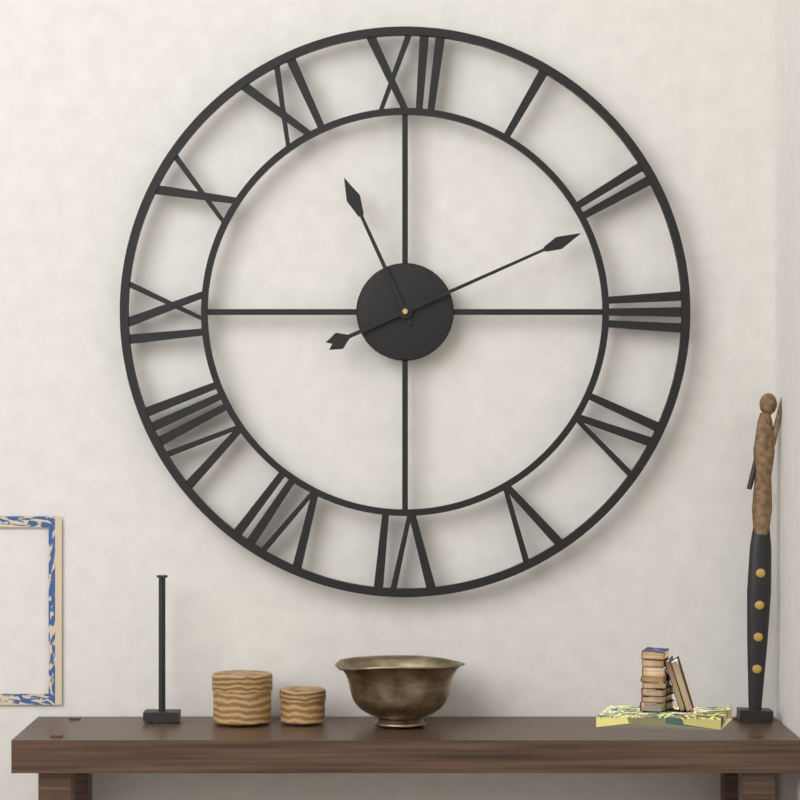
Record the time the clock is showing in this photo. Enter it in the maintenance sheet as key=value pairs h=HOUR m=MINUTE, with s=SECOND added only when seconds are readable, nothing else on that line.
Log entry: h=11 m=11
